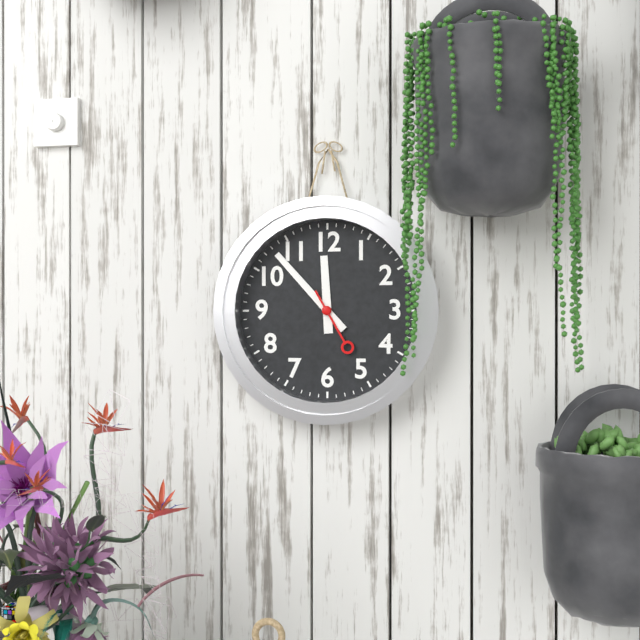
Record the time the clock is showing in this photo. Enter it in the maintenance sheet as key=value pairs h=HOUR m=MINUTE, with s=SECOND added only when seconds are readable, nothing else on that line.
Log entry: h=11 m=53 s=25
